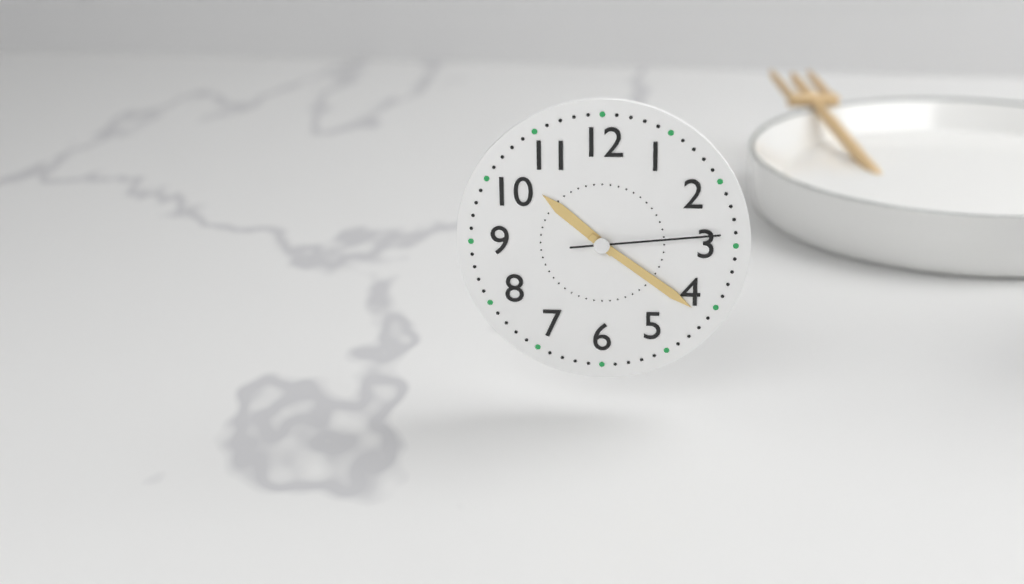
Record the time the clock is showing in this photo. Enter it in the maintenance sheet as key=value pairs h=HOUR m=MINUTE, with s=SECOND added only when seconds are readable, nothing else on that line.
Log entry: h=10 m=21 s=14
